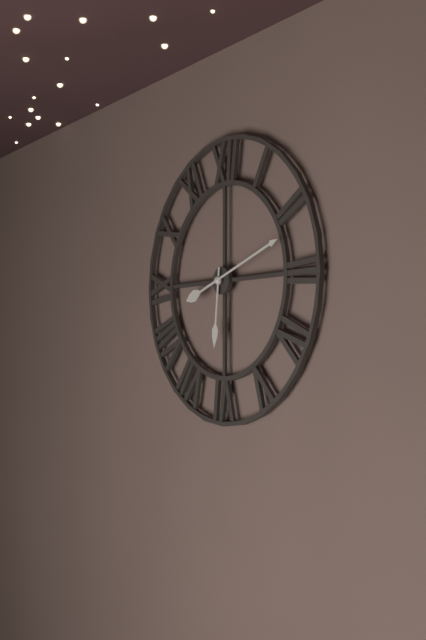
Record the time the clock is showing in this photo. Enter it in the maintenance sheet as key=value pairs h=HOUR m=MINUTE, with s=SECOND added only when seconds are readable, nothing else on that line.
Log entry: h=6 m=12
